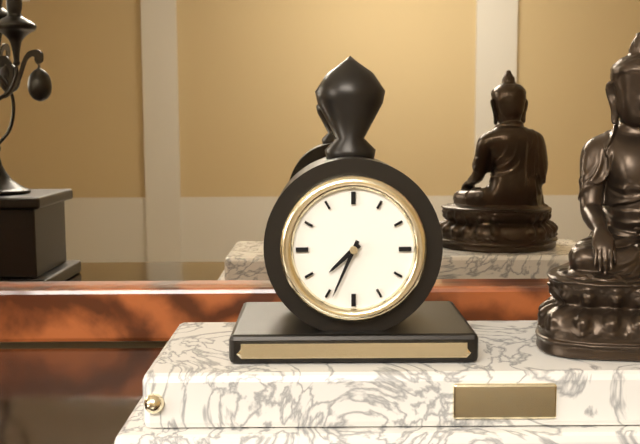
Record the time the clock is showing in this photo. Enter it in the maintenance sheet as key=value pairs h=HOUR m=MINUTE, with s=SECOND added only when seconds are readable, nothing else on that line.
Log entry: h=7 m=34
